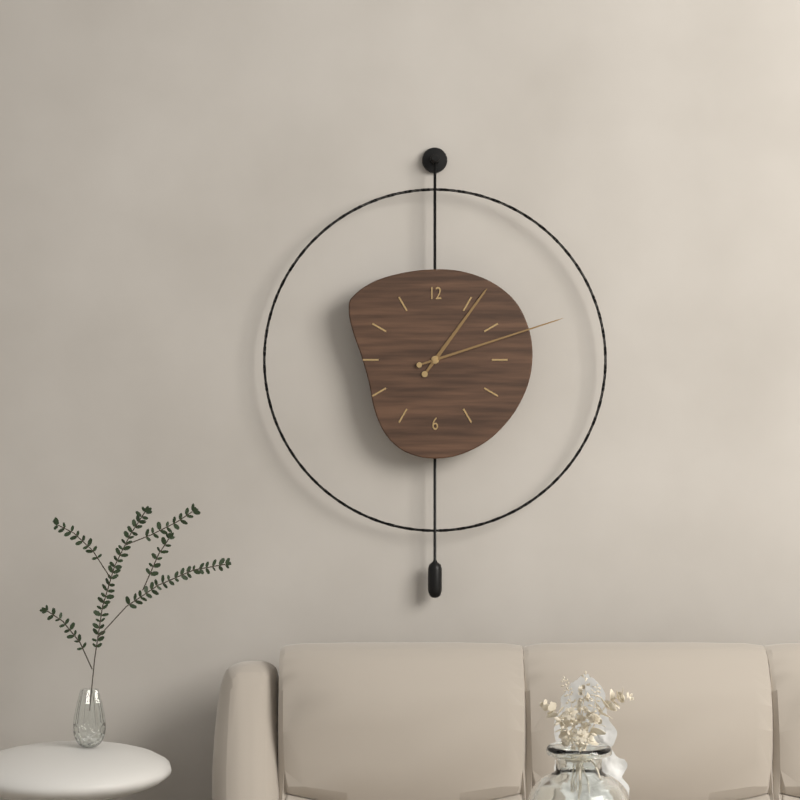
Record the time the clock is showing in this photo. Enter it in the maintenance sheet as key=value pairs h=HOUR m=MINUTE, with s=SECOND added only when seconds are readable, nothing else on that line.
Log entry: h=1 m=12
